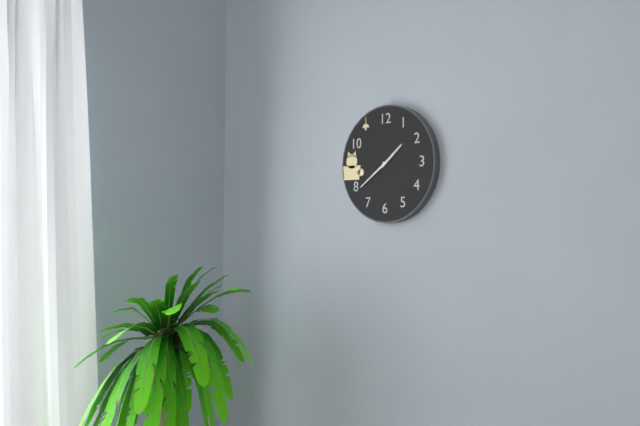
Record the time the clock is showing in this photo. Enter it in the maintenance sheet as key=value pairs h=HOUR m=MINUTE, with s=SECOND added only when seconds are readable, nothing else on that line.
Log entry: h=1 m=39
